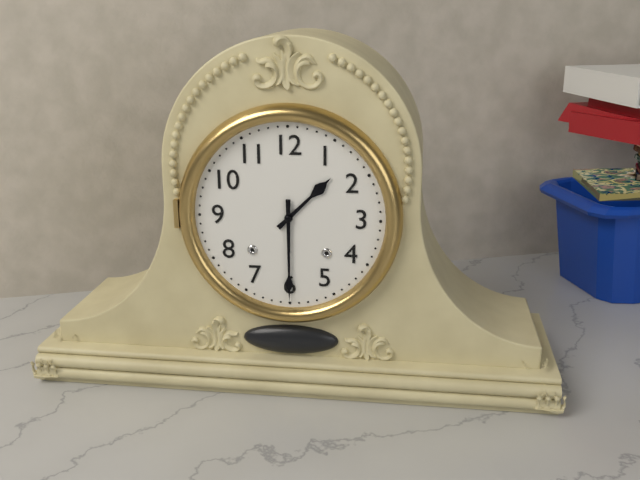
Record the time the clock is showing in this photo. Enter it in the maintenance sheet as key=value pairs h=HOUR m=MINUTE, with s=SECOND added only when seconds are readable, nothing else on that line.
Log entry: h=1 m=30
